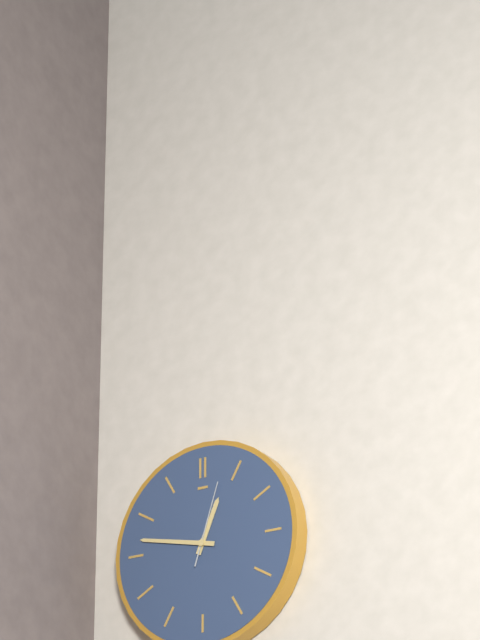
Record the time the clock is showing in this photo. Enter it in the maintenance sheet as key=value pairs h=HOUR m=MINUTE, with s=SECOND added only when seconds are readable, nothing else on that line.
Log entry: h=12 m=47 s=3
